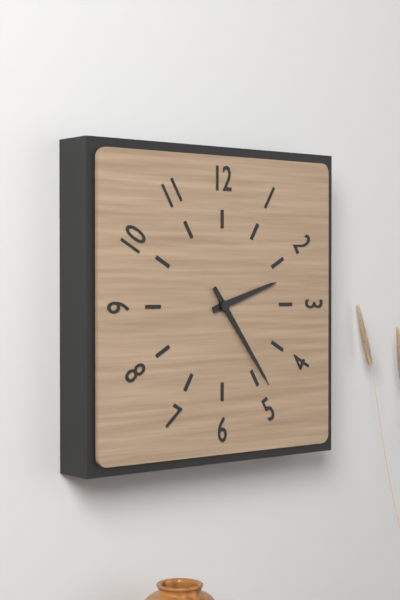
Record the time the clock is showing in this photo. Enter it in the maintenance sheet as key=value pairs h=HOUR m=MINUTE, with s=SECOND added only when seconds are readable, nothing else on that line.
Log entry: h=2 m=24
